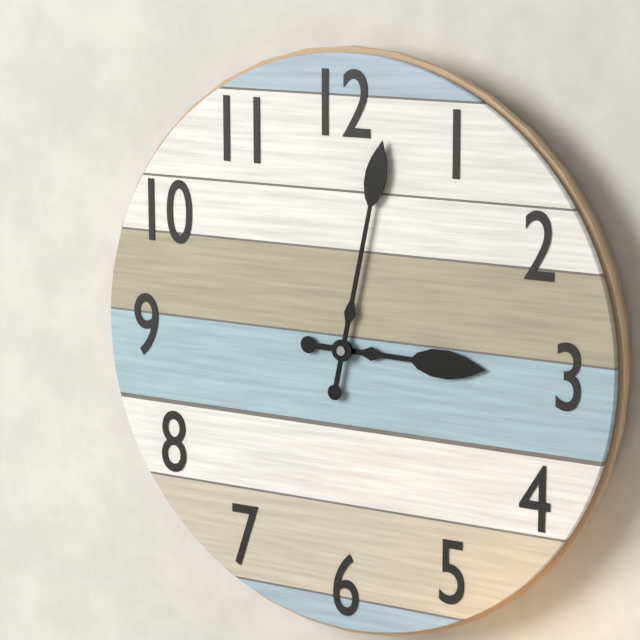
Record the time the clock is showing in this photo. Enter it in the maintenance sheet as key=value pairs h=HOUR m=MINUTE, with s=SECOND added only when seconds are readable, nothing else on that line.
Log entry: h=3 m=2
